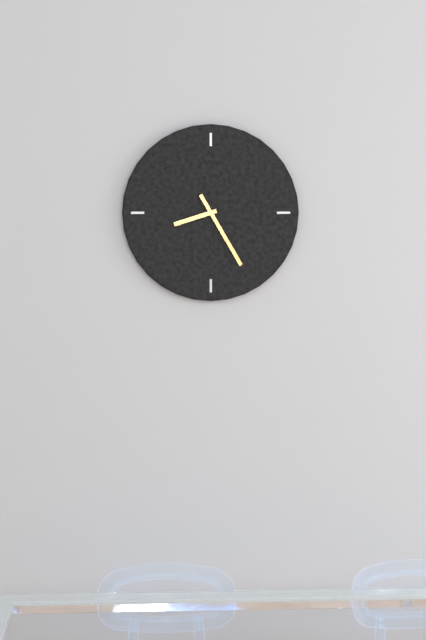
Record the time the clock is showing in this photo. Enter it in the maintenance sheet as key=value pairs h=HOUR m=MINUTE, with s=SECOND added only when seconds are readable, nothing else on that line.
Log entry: h=8 m=25
